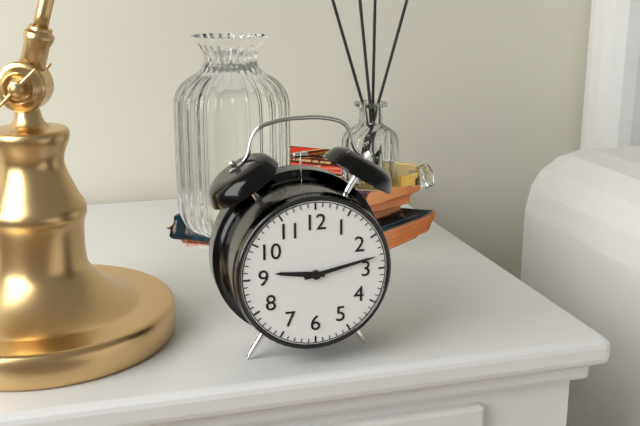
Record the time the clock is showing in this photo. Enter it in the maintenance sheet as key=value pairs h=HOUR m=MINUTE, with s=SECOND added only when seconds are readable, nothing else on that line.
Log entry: h=9 m=13
